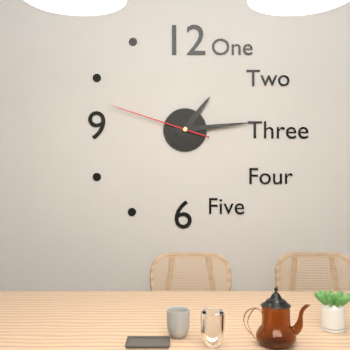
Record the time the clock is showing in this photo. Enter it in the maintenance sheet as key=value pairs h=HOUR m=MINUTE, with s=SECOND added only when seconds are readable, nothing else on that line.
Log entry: h=1 m=14 s=48
